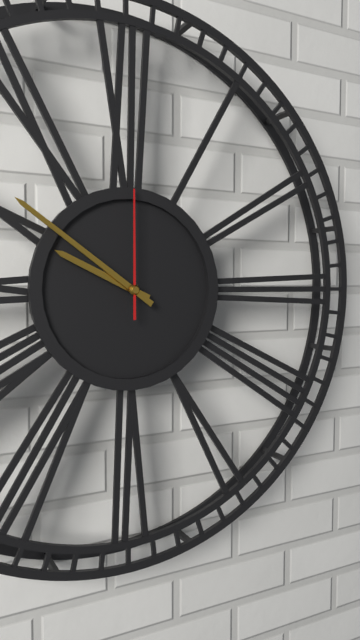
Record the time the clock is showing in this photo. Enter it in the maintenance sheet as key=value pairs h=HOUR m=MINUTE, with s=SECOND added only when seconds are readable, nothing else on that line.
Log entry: h=9 m=51 s=0
